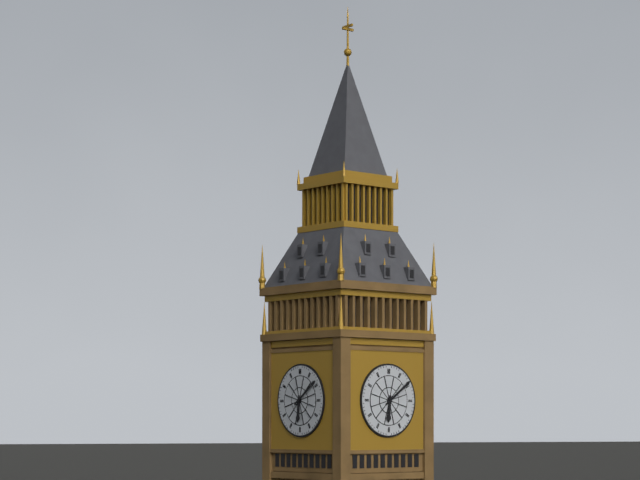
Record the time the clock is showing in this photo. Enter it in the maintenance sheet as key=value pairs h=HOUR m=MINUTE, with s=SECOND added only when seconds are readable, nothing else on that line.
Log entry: h=6 m=9
